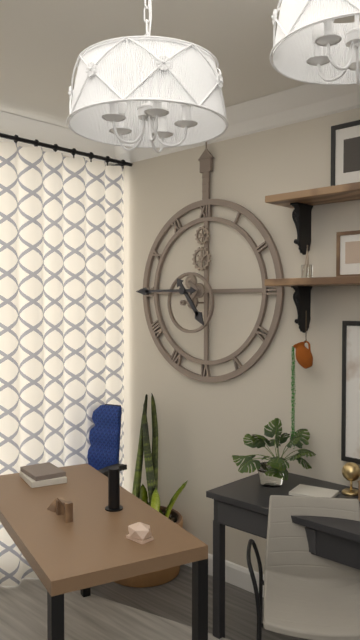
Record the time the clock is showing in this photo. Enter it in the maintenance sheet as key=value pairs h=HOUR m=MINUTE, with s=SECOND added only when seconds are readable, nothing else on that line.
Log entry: h=4 m=45
